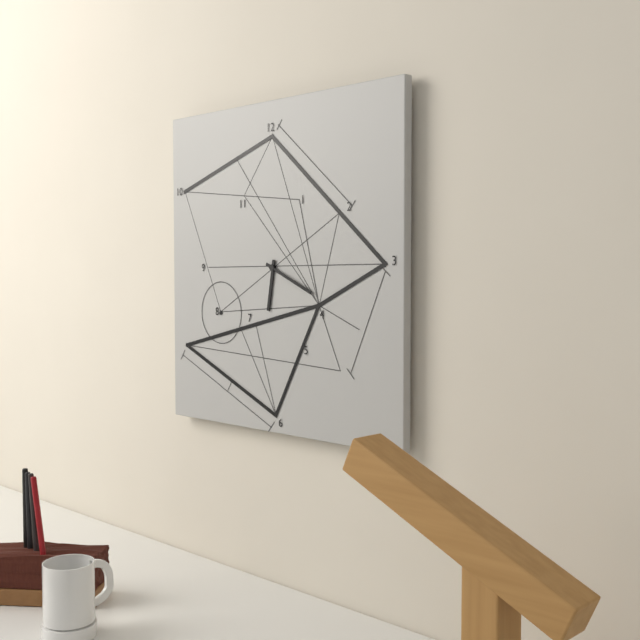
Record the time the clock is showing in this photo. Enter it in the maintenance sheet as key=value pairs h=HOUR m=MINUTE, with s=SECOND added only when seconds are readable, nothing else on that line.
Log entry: h=6 m=19
